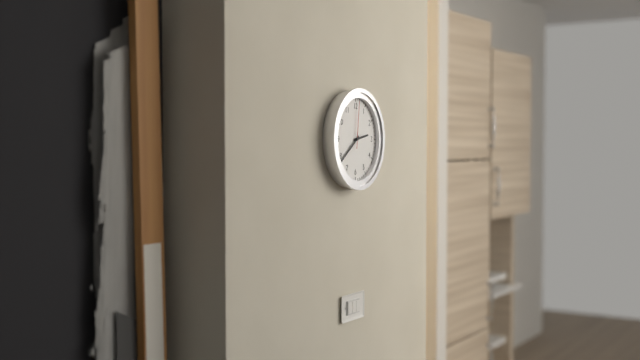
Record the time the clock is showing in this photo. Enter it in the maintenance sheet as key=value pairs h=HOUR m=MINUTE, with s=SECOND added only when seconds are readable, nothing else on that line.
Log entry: h=2 m=39
